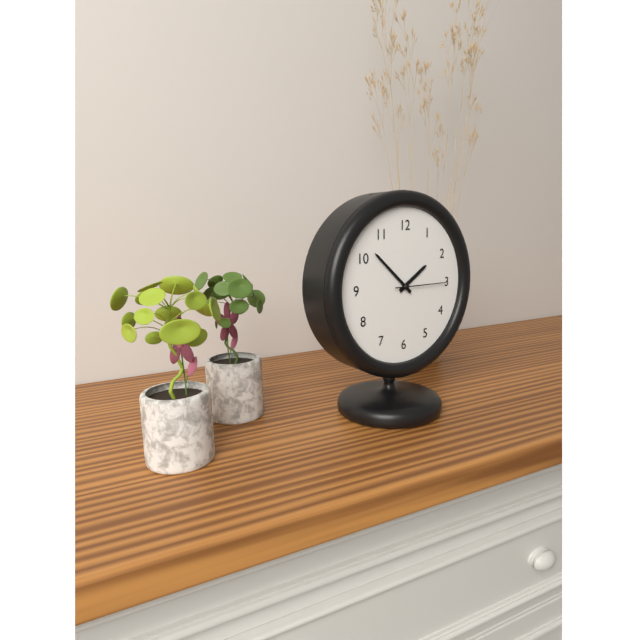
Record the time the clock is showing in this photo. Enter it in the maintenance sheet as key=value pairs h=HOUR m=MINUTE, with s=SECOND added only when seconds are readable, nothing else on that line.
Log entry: h=1 m=52 s=15
